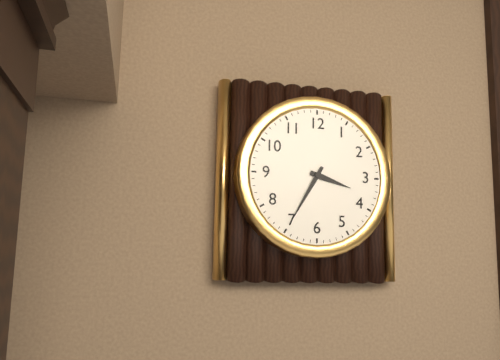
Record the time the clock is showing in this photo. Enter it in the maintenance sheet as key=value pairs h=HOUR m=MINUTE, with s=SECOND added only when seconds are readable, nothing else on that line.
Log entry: h=3 m=35
